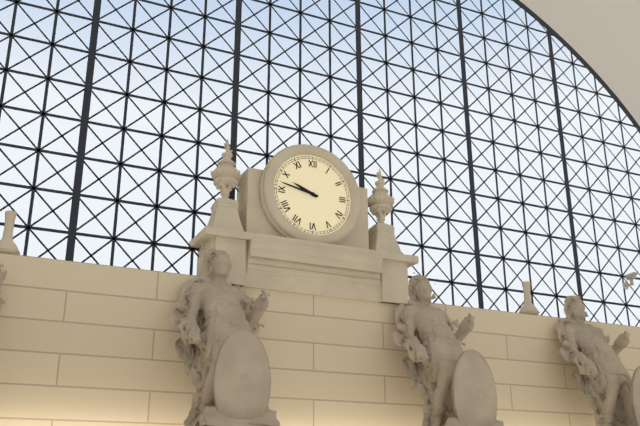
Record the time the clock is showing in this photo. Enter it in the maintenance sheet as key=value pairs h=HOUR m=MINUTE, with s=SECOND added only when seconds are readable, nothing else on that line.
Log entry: h=9 m=47
